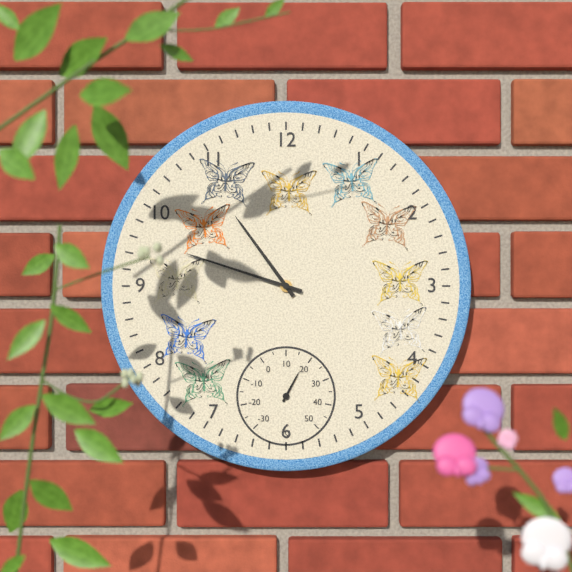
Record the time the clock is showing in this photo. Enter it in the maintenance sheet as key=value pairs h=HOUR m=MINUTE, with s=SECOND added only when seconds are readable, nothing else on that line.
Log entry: h=10 m=48
